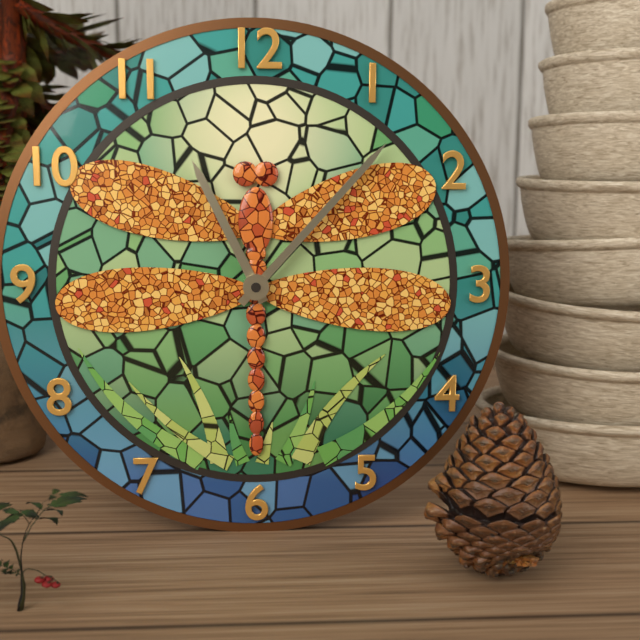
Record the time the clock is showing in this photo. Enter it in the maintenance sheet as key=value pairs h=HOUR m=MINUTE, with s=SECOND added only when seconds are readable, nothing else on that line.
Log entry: h=11 m=7
